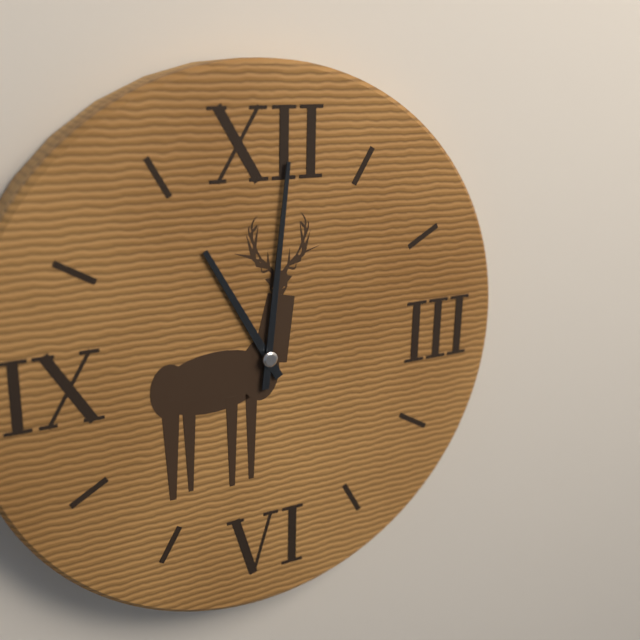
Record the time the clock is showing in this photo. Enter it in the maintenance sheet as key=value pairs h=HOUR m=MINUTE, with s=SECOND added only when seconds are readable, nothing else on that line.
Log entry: h=11 m=1
